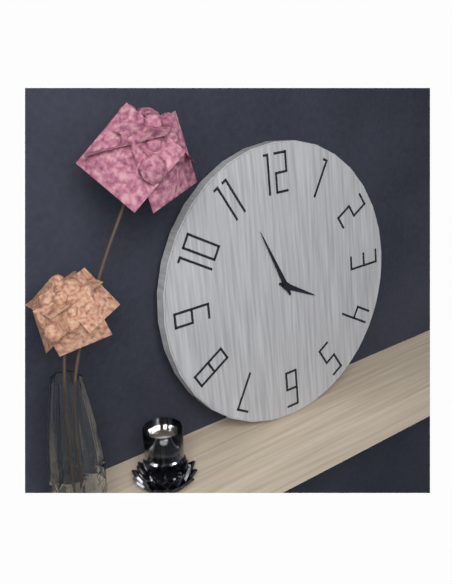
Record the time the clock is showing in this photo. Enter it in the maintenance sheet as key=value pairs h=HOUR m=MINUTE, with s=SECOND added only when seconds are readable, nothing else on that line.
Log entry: h=3 m=56
